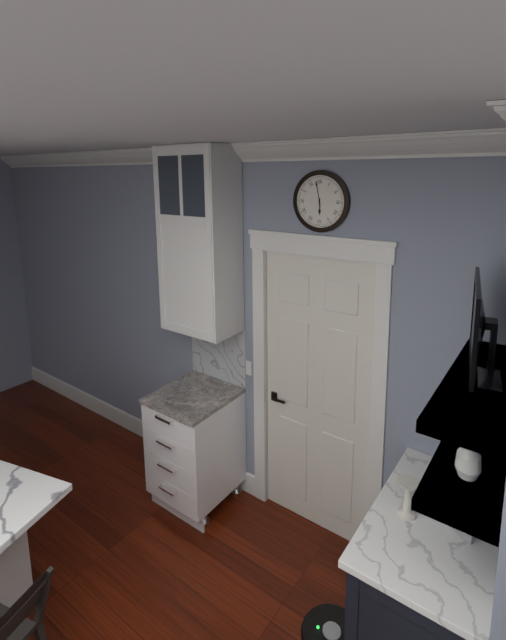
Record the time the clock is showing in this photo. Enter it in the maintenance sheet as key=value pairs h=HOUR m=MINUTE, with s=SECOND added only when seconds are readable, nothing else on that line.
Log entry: h=5 m=58
